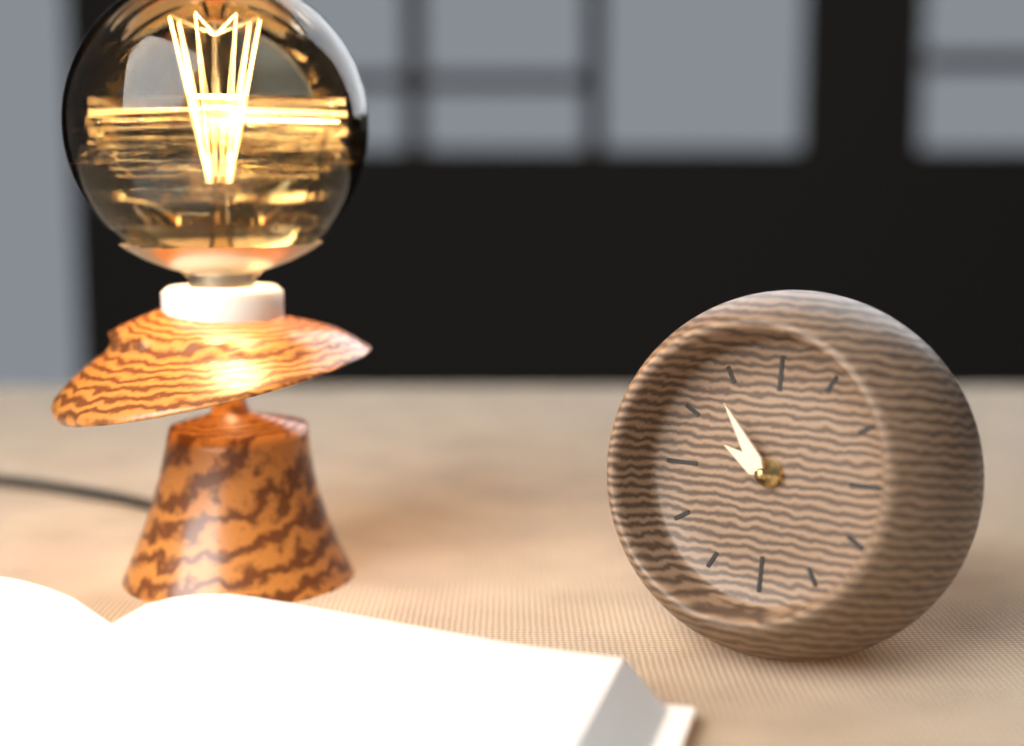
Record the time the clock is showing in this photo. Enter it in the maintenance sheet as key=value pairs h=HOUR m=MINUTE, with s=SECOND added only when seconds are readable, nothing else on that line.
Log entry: h=9 m=54
